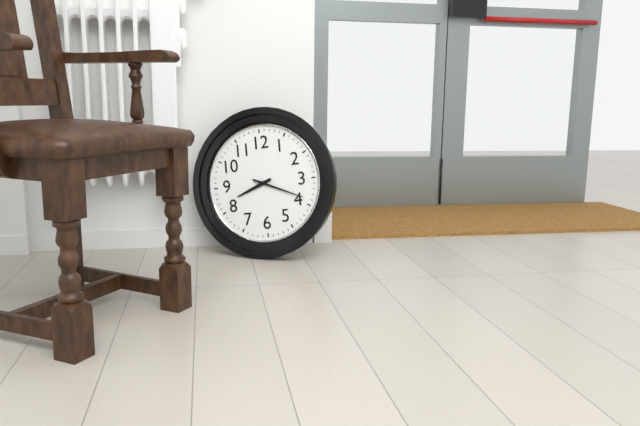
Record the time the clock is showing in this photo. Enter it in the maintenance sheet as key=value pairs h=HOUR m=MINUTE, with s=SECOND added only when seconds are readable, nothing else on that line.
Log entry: h=8 m=19
